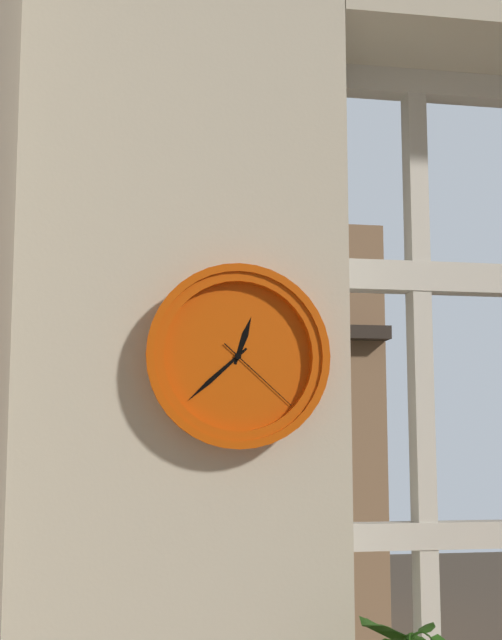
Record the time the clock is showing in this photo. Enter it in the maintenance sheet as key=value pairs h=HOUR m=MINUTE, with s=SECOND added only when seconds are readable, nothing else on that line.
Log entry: h=12 m=38 s=22
